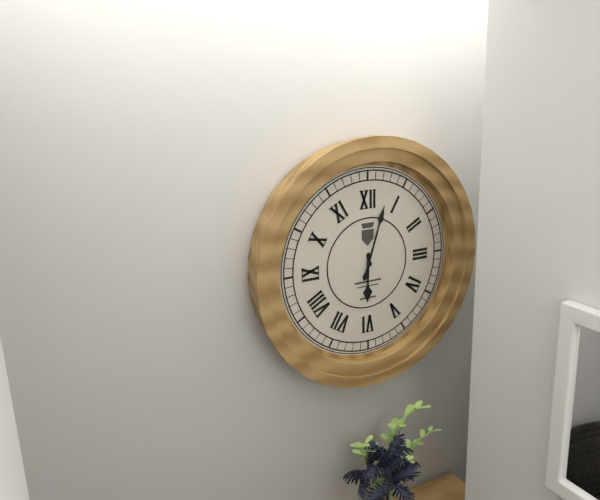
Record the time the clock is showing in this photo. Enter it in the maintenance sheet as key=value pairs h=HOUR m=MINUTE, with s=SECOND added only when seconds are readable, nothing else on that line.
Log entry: h=6 m=3
